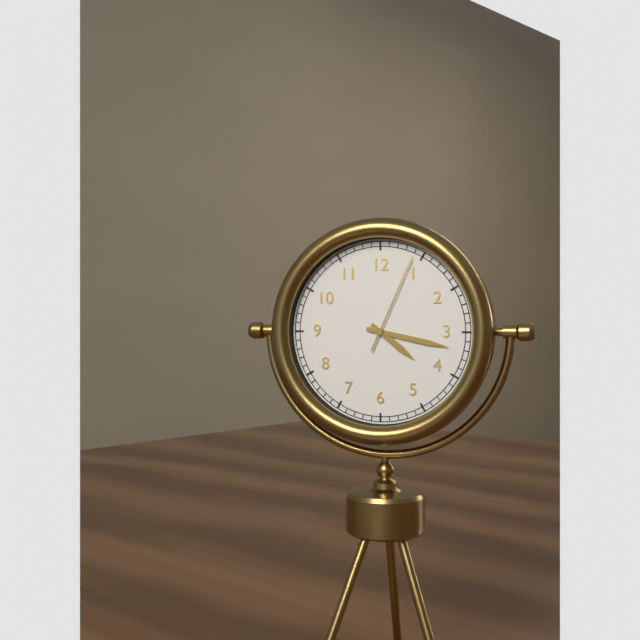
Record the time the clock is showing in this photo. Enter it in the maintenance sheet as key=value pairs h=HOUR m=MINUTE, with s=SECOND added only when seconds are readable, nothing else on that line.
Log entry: h=4 m=17 s=4
